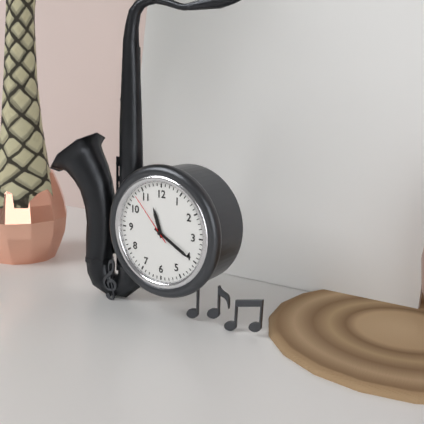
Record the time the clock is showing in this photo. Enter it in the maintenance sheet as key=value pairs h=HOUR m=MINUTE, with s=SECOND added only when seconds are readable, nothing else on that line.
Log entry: h=11 m=20 s=53
